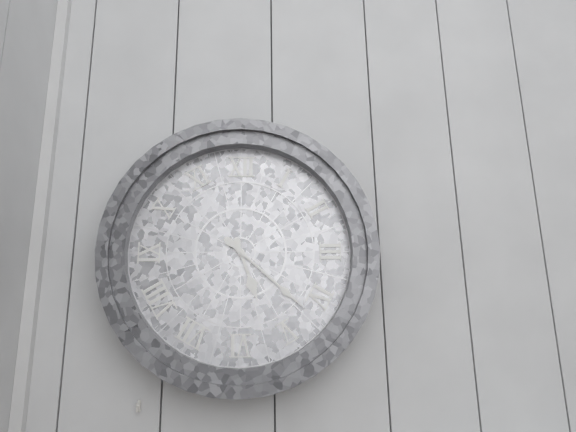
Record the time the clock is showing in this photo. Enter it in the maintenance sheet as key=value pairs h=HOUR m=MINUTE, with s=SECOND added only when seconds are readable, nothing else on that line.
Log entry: h=5 m=22
